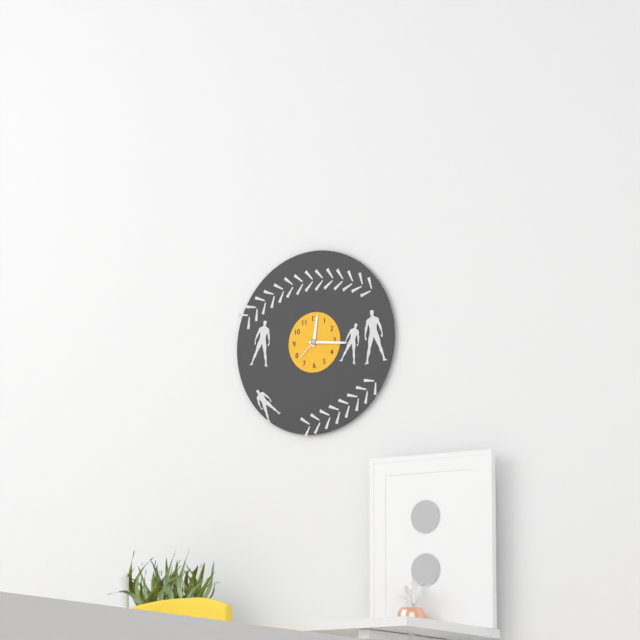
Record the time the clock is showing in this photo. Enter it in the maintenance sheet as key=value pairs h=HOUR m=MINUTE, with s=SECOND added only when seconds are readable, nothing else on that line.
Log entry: h=12 m=16
